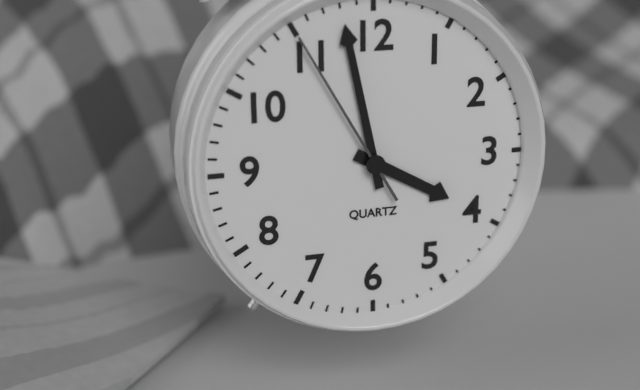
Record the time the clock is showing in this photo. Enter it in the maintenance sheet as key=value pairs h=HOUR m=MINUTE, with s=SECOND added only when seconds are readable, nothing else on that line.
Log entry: h=3 m=58 s=55
